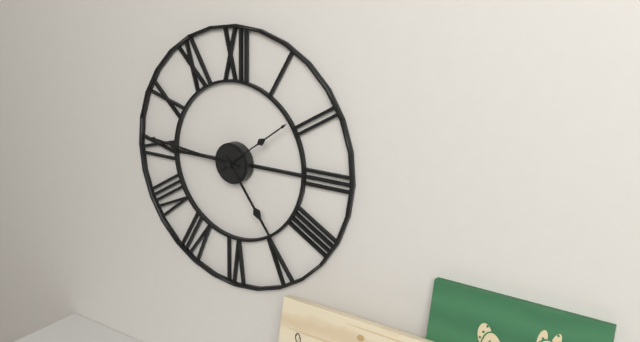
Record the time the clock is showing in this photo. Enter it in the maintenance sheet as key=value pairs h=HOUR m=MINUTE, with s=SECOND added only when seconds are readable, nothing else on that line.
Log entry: h=4 m=46 s=9
